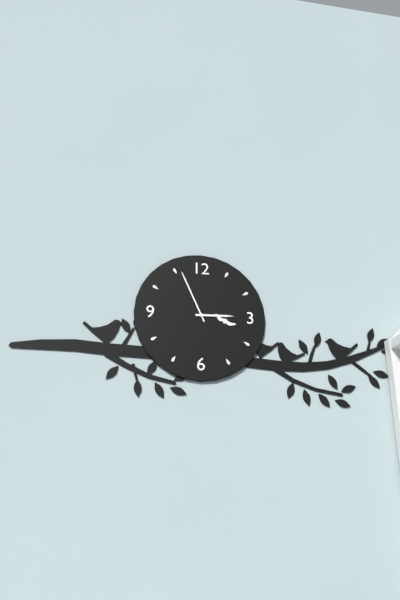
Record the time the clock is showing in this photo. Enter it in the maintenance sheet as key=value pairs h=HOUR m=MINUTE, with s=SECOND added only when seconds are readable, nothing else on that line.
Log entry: h=2 m=56
